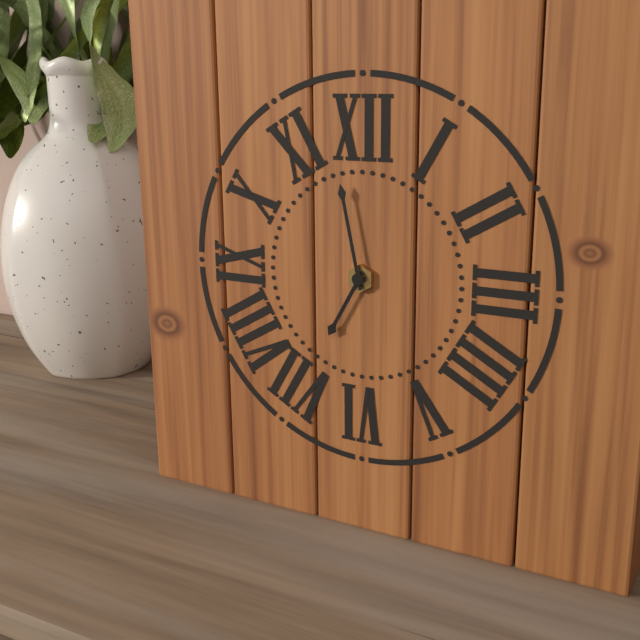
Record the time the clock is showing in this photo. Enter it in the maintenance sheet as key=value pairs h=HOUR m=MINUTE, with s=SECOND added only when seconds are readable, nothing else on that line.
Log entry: h=6 m=58
